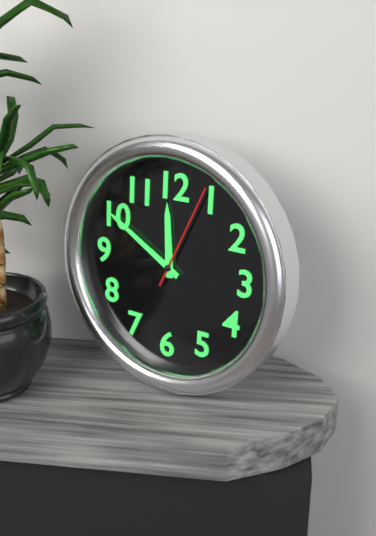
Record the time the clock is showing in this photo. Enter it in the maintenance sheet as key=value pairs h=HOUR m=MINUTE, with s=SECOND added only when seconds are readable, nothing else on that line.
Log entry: h=11 m=50 s=4
